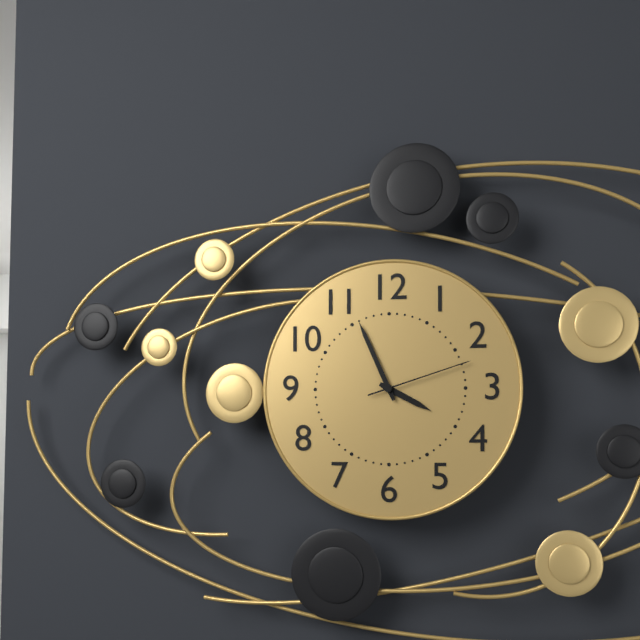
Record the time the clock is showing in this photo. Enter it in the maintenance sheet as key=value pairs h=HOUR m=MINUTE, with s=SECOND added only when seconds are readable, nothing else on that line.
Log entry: h=3 m=56 s=12
